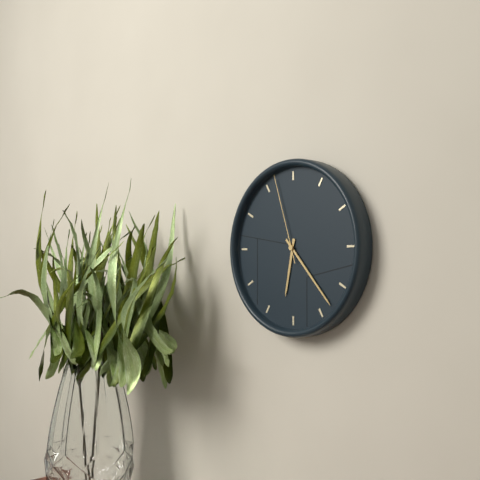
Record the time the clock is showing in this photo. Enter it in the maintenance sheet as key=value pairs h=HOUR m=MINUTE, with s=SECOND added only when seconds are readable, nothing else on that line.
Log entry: h=6 m=23 s=57
